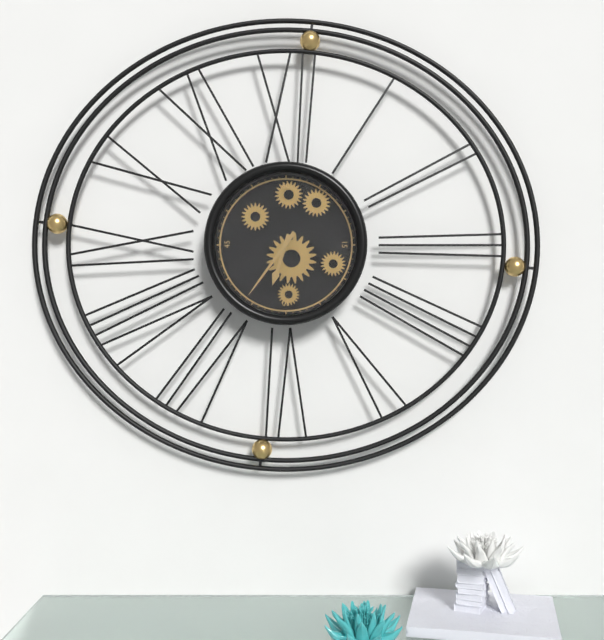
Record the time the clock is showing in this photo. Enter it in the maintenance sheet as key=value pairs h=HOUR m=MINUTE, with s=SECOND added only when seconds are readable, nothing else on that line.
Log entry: h=6 m=36
